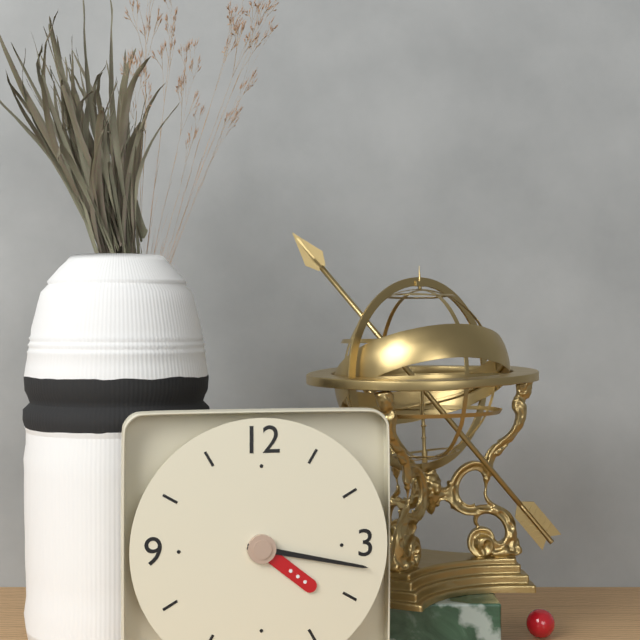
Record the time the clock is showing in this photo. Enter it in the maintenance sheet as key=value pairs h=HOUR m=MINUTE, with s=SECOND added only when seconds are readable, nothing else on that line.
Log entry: h=4 m=17
